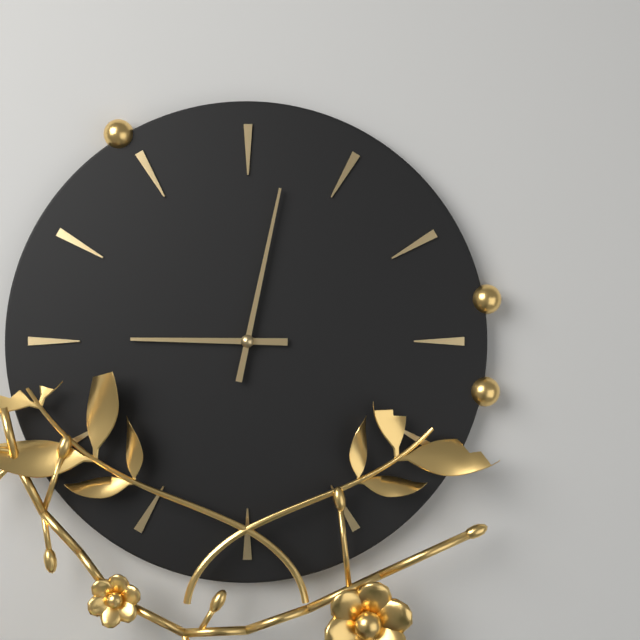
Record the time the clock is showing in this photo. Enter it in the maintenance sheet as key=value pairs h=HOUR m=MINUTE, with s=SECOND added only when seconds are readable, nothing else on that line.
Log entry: h=9 m=2
